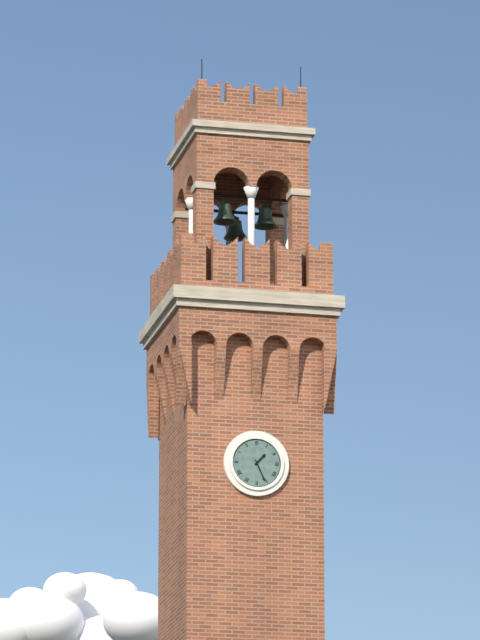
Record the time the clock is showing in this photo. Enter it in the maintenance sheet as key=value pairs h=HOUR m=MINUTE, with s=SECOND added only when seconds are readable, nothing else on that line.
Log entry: h=1 m=26
